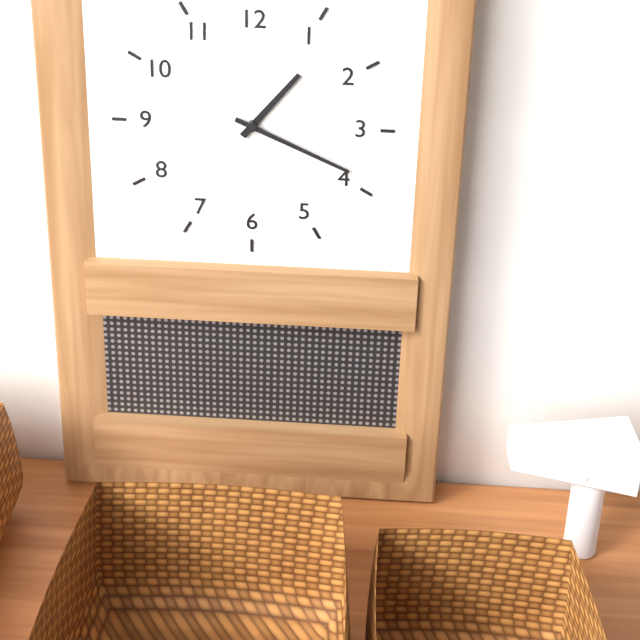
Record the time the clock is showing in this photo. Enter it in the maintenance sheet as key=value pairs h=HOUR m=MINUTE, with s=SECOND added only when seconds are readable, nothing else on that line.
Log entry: h=1 m=19
